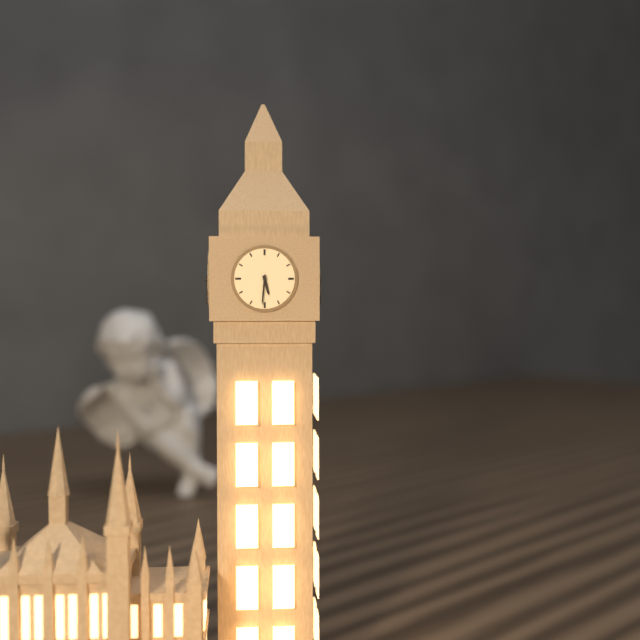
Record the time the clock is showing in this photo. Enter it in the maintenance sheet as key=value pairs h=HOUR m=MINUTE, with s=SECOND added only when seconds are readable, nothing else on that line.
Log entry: h=5 m=31
